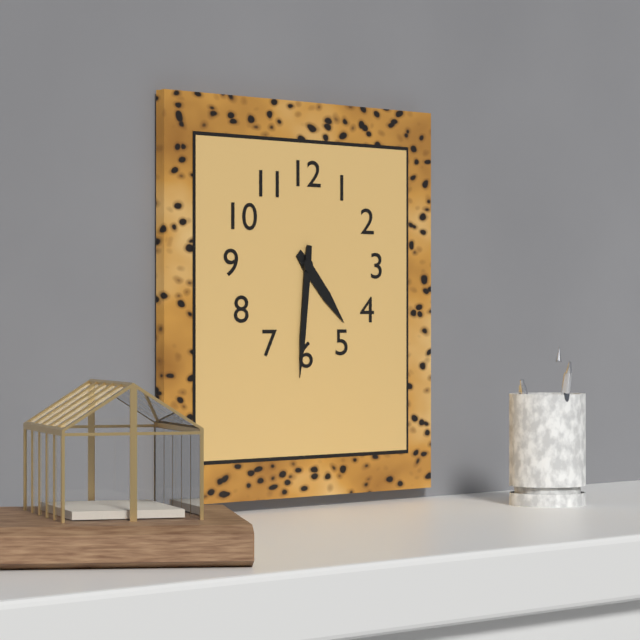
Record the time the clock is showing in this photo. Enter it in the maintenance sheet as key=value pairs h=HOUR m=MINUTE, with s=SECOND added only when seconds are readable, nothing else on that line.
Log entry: h=4 m=31
